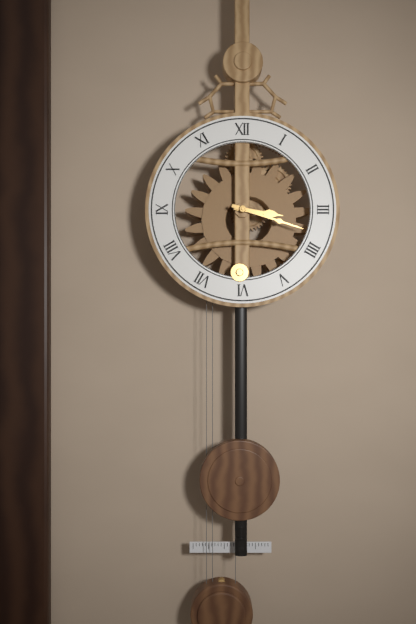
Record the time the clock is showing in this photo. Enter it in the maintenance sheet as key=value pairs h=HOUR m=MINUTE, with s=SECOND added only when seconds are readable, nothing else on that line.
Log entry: h=3 m=18
